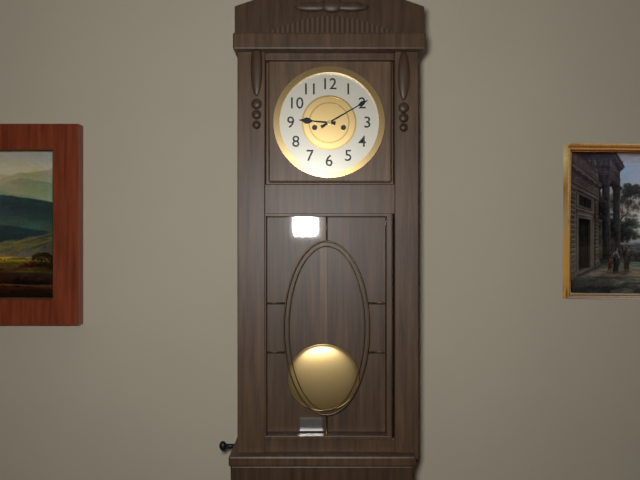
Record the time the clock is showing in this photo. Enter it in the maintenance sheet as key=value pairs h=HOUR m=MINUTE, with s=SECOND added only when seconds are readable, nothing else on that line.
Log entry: h=9 m=10
